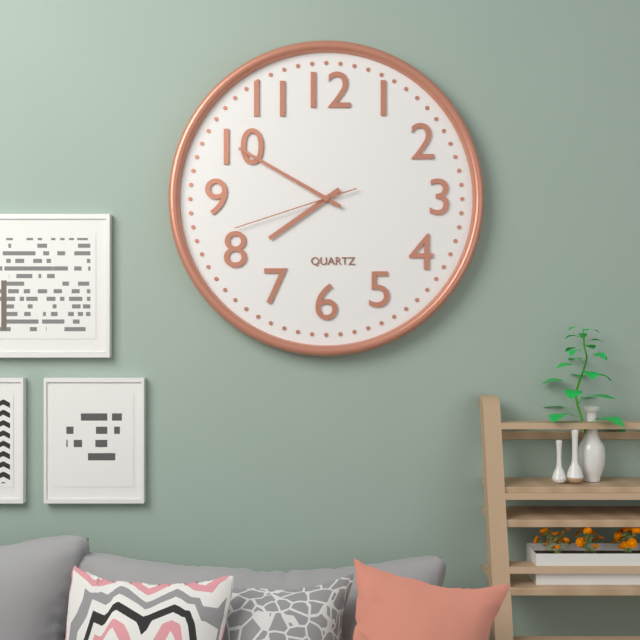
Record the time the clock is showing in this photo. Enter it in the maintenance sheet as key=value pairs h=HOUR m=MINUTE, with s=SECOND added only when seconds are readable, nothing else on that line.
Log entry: h=7 m=50 s=42
